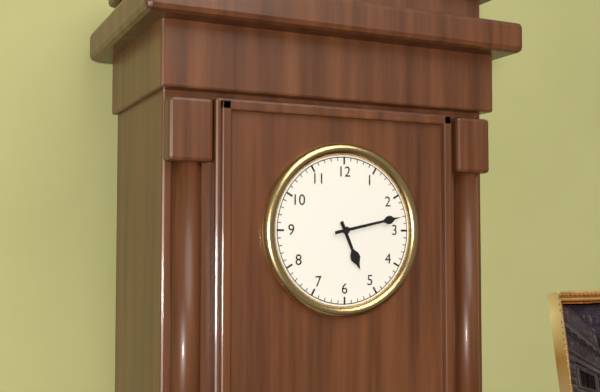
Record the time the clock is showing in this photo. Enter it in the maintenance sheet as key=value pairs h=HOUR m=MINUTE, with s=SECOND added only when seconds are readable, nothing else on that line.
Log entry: h=5 m=13
